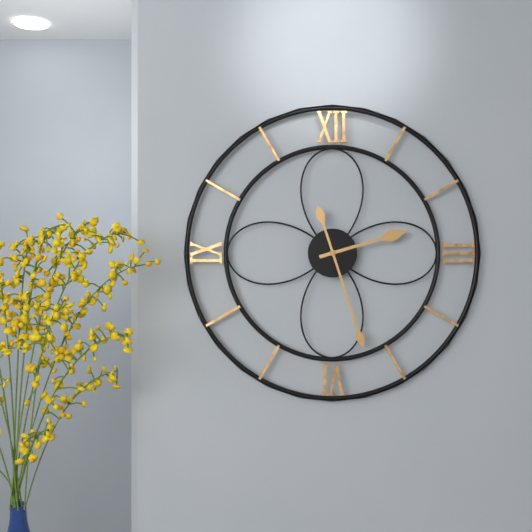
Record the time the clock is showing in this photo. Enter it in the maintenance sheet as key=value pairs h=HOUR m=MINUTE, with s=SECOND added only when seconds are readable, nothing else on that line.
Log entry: h=2 m=27
